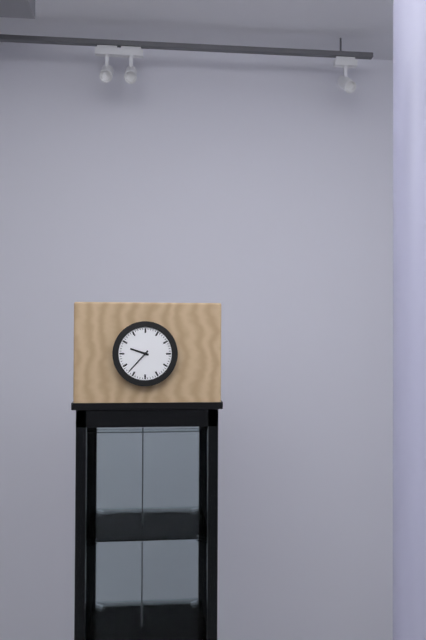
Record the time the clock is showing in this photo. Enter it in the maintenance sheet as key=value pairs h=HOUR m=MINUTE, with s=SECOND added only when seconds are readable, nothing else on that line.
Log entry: h=9 m=37
